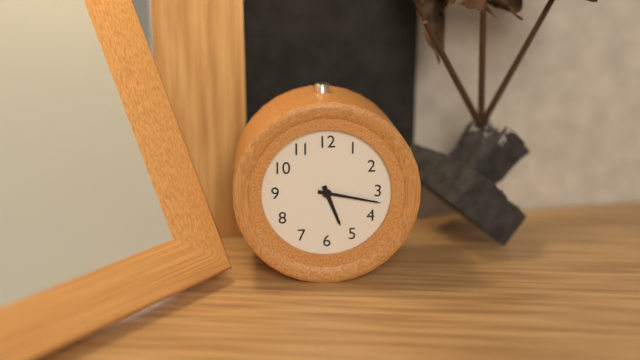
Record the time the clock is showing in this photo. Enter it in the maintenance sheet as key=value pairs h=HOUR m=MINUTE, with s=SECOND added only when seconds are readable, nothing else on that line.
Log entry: h=5 m=17
